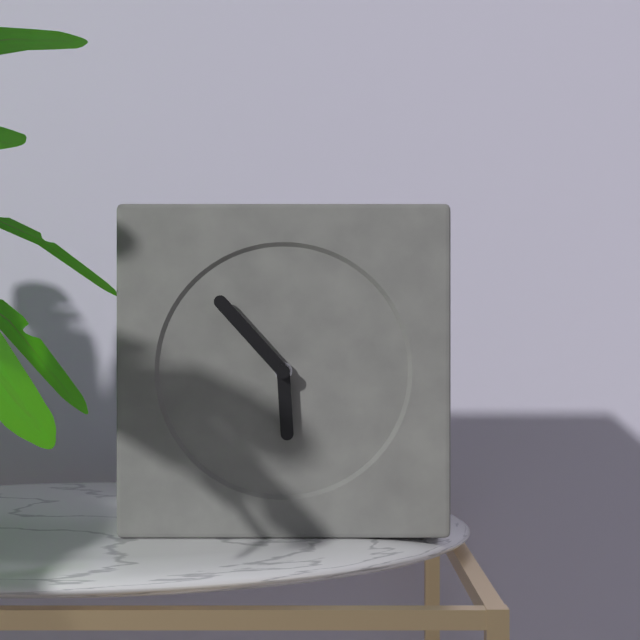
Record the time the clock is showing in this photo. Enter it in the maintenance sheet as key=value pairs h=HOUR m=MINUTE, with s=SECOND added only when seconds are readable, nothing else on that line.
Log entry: h=5 m=53
